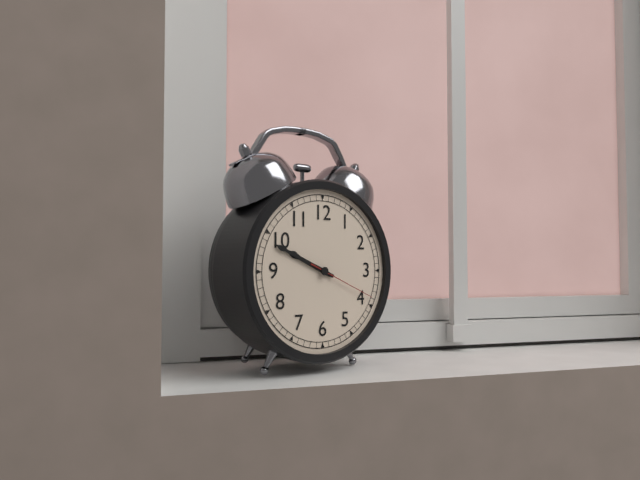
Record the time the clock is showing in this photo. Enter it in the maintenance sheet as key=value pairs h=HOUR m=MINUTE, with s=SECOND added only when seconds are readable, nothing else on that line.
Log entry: h=9 m=49 s=19
